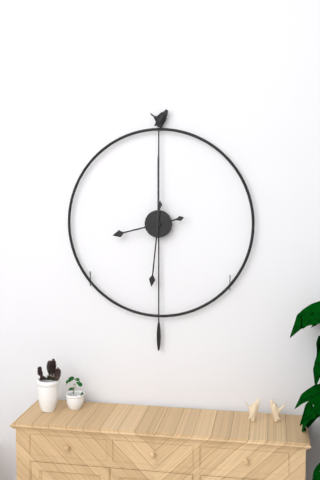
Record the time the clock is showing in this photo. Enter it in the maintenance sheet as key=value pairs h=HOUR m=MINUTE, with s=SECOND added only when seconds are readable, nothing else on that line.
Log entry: h=8 m=31 s=0
